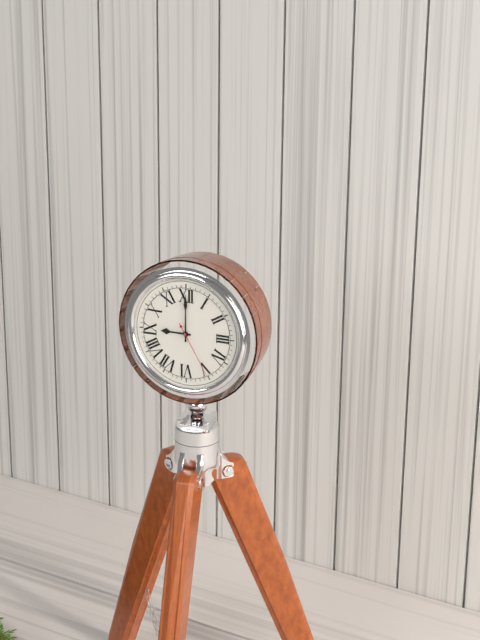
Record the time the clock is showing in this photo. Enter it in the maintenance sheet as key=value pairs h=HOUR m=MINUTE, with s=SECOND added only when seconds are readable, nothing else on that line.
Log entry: h=9 m=0 s=25
